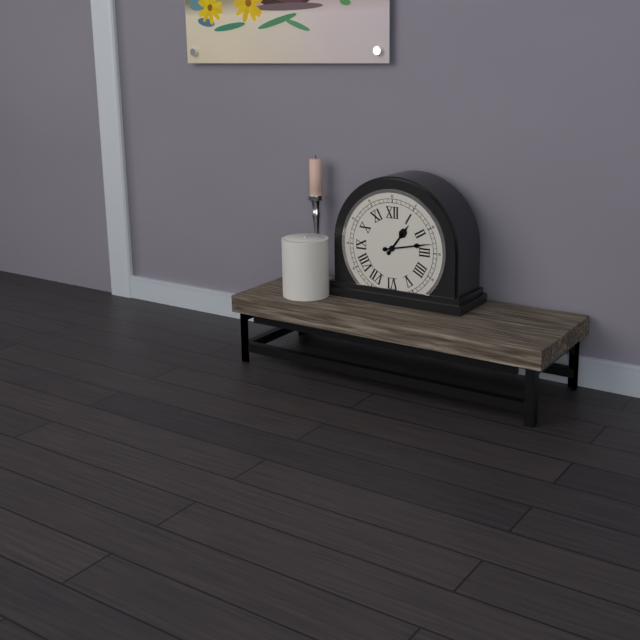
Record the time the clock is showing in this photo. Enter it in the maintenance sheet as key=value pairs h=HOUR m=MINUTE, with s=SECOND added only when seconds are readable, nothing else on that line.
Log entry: h=1 m=13
